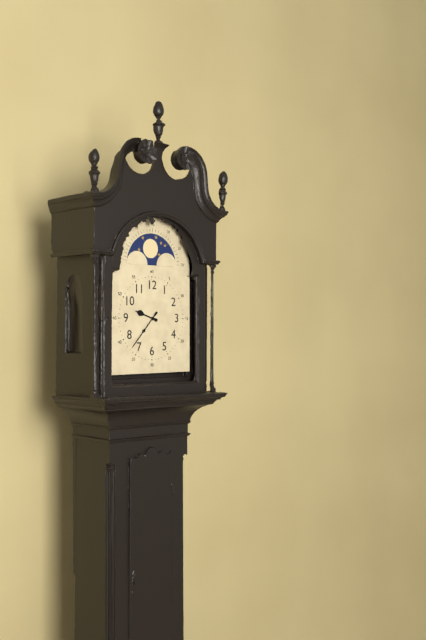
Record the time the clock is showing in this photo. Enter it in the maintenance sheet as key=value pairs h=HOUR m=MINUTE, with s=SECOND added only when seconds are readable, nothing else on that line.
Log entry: h=9 m=37
